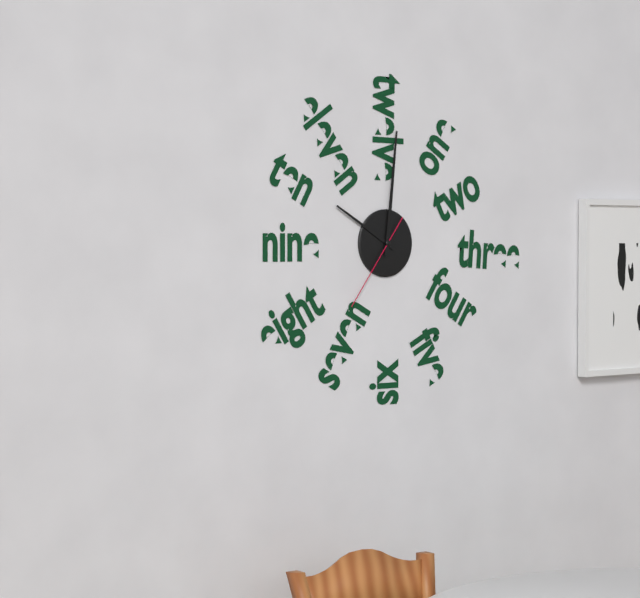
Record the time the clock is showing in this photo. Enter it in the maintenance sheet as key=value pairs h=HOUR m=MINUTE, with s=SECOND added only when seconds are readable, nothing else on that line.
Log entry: h=10 m=1 s=36
